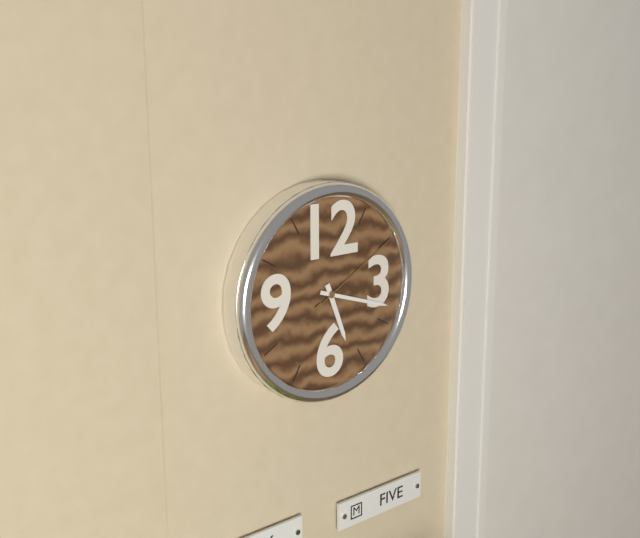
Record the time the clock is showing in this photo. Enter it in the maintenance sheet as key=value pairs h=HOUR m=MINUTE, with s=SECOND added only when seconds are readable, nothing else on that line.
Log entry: h=5 m=18 s=10
